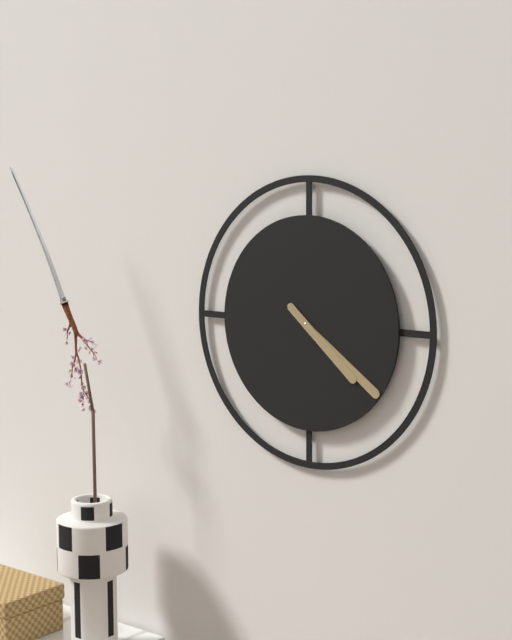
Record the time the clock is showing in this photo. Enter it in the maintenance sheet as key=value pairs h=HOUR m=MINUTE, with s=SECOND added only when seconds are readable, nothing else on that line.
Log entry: h=4 m=21
